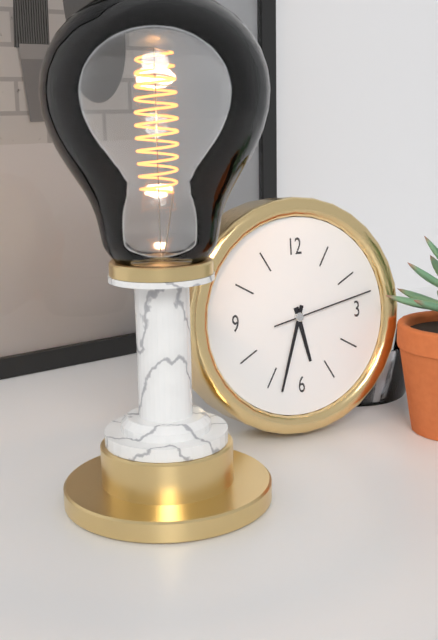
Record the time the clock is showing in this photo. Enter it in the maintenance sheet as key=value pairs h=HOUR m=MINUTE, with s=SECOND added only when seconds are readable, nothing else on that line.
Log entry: h=5 m=33 s=13
